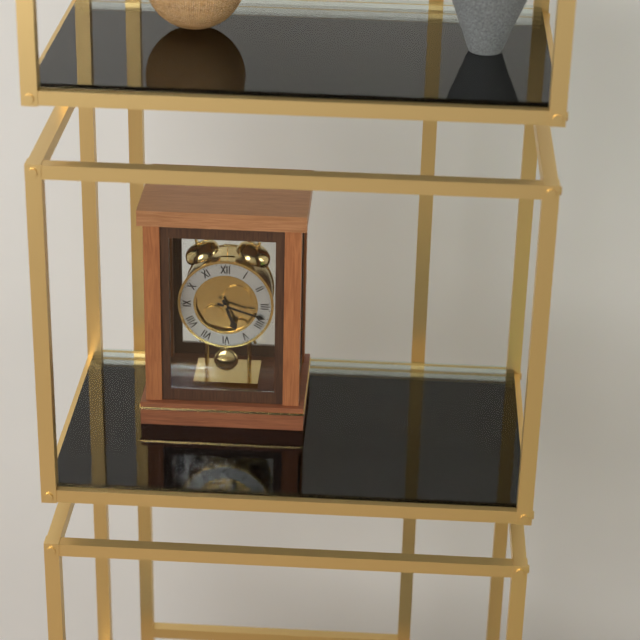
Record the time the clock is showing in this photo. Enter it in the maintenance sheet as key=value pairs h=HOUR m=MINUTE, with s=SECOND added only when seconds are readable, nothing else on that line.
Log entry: h=5 m=18
